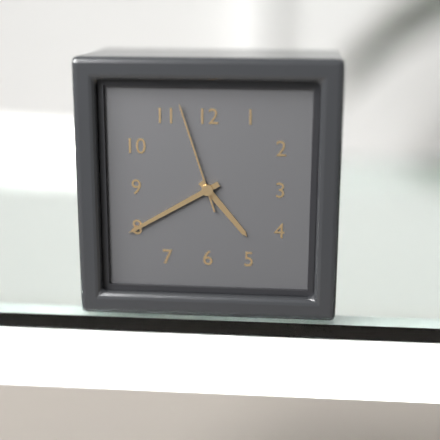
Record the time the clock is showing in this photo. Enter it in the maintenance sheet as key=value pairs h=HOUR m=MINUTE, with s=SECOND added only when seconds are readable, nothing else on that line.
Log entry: h=4 m=40 s=57
